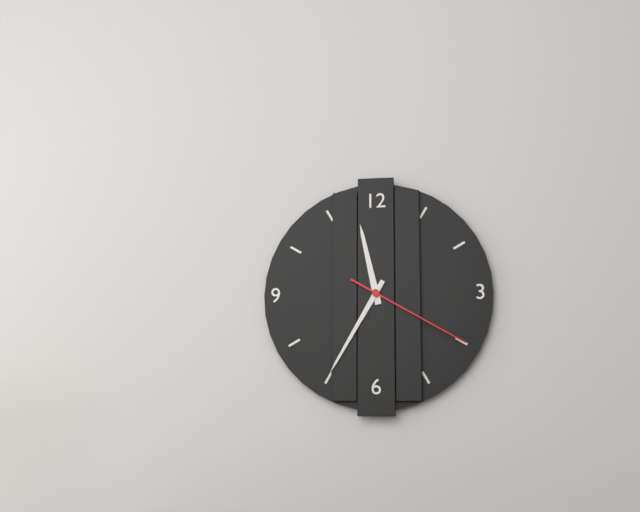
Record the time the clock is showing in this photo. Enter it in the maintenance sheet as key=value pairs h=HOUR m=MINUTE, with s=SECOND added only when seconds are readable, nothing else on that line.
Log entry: h=11 m=35 s=20
